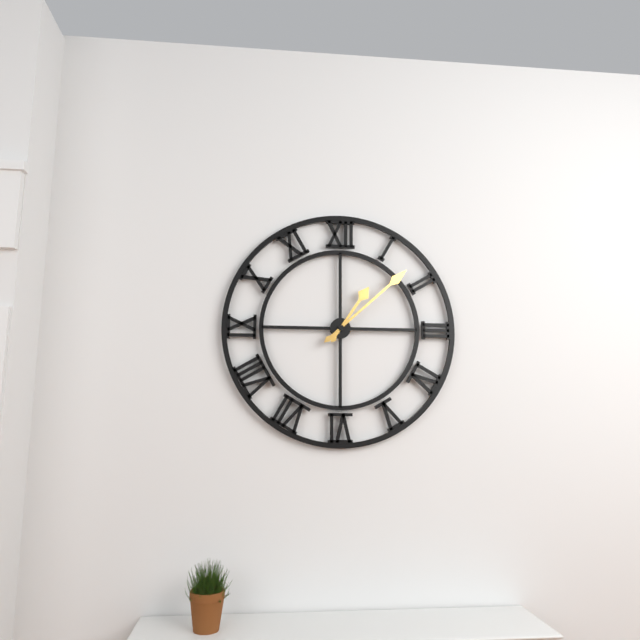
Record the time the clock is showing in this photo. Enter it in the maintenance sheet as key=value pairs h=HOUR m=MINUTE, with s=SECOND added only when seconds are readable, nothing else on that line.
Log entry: h=1 m=8
